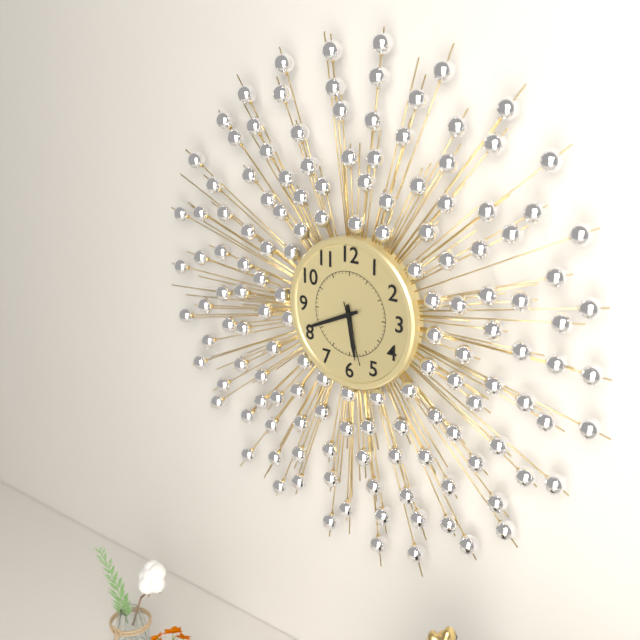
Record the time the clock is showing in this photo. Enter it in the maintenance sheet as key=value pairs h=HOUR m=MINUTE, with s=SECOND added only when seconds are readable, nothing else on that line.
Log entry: h=5 m=41 s=27
